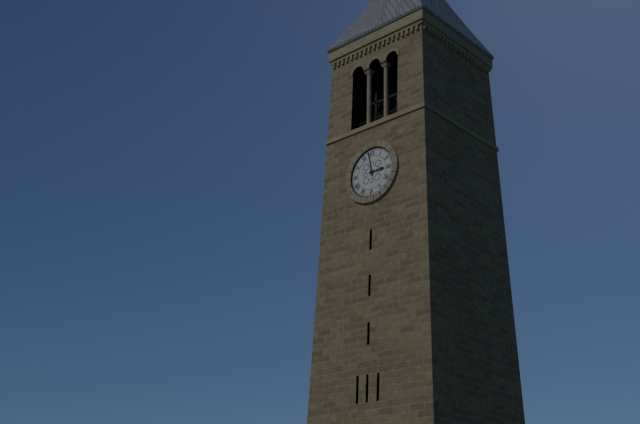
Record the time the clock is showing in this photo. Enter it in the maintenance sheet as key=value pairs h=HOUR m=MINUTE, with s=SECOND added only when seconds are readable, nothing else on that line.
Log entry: h=2 m=58
